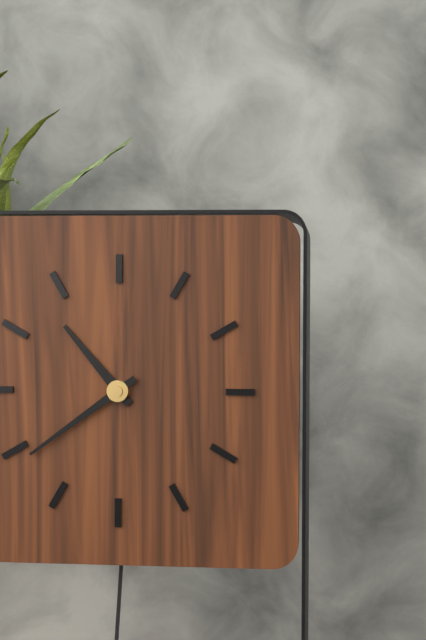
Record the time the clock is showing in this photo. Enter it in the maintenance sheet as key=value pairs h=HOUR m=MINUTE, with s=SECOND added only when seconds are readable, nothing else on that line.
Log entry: h=10 m=39
